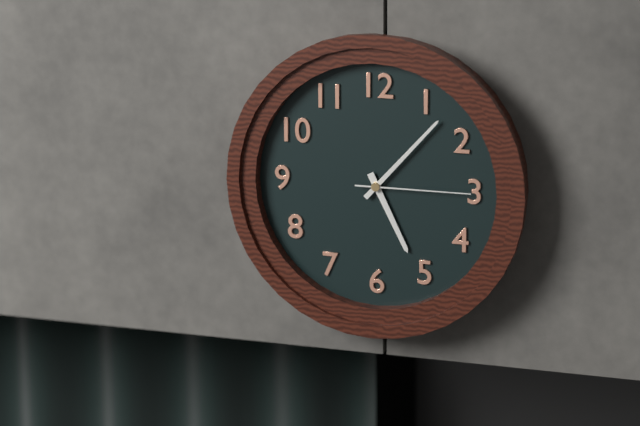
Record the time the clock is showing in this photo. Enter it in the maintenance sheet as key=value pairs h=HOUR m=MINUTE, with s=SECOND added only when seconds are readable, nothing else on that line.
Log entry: h=5 m=7 s=15
